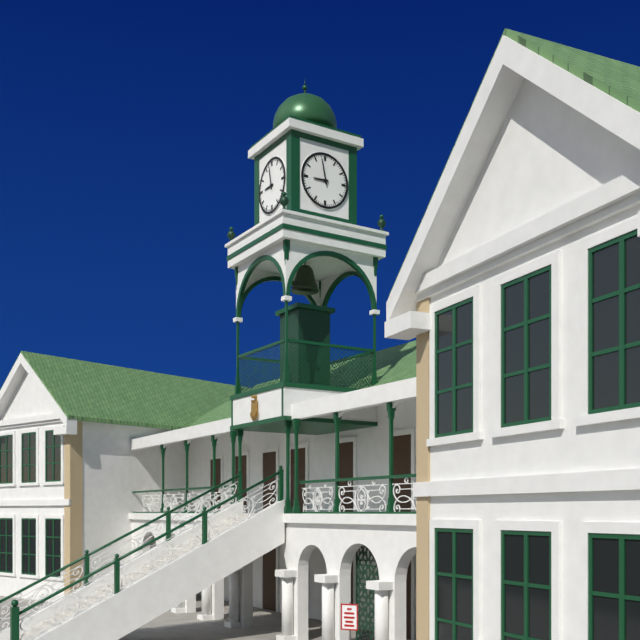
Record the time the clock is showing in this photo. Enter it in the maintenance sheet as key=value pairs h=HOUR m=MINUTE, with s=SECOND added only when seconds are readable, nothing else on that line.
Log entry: h=8 m=58
